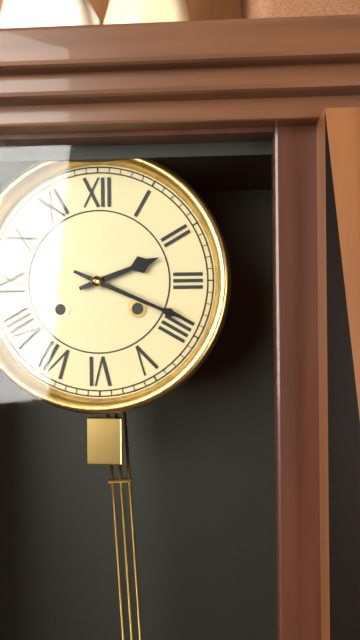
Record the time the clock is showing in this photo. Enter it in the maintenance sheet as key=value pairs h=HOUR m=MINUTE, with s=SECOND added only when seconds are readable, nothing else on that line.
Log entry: h=2 m=19
